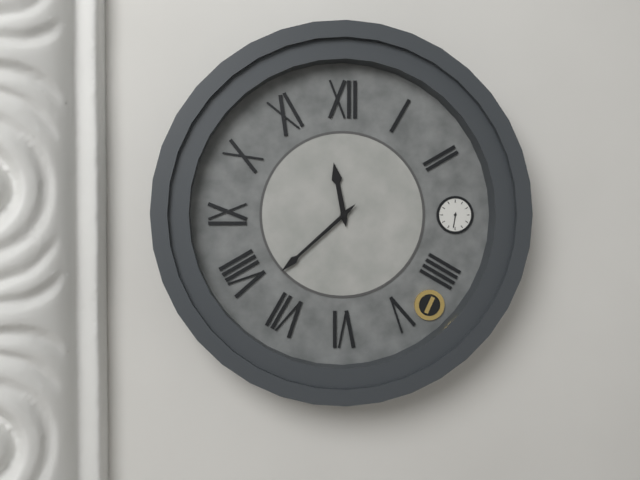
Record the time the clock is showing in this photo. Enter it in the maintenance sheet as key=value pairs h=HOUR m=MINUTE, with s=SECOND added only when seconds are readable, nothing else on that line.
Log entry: h=11 m=38
